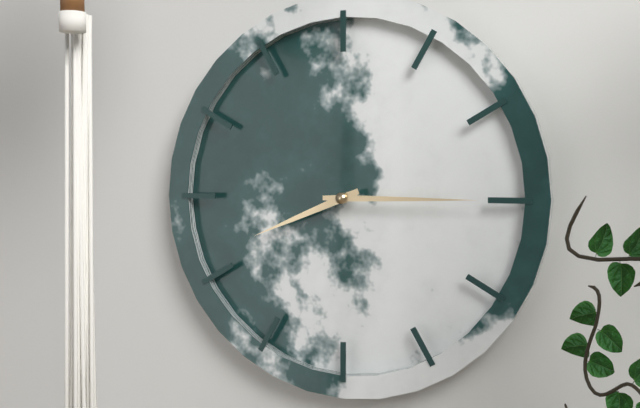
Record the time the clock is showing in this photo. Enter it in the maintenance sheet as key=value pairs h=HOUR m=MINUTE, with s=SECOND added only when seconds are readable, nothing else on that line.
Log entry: h=8 m=15
